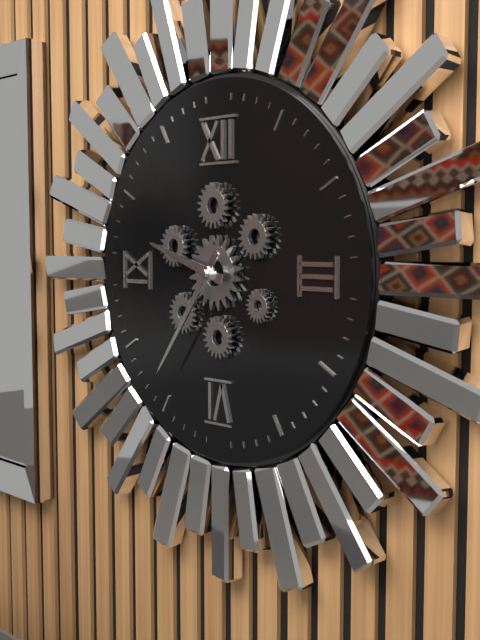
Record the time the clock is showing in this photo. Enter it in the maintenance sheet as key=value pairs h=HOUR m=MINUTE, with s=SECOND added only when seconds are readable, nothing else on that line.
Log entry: h=9 m=36
